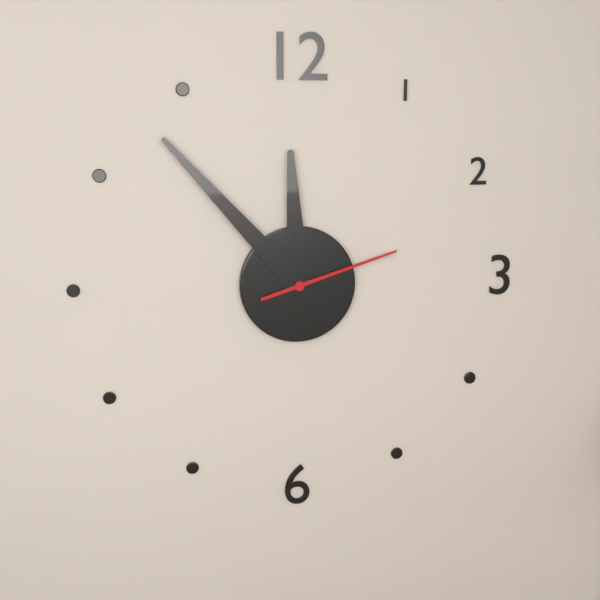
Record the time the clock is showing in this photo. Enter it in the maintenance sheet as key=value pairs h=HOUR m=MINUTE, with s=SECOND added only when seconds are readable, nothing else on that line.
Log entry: h=11 m=53 s=12
